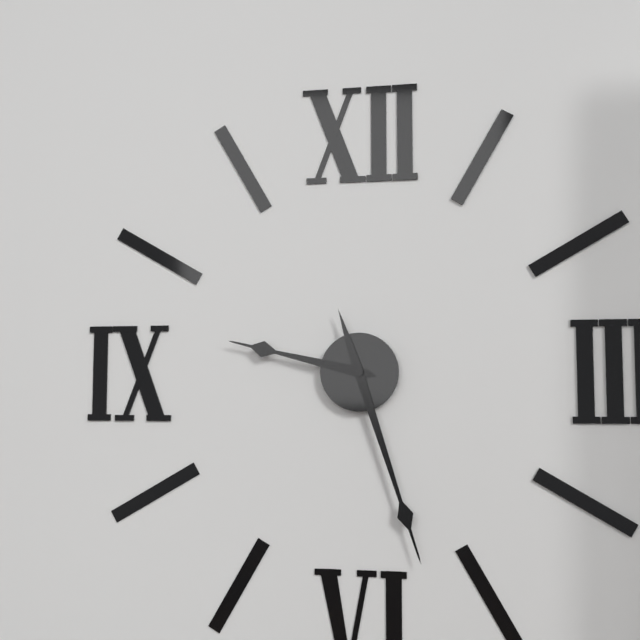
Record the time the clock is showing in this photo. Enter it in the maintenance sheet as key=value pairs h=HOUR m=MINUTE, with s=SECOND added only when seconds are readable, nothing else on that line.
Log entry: h=9 m=27
